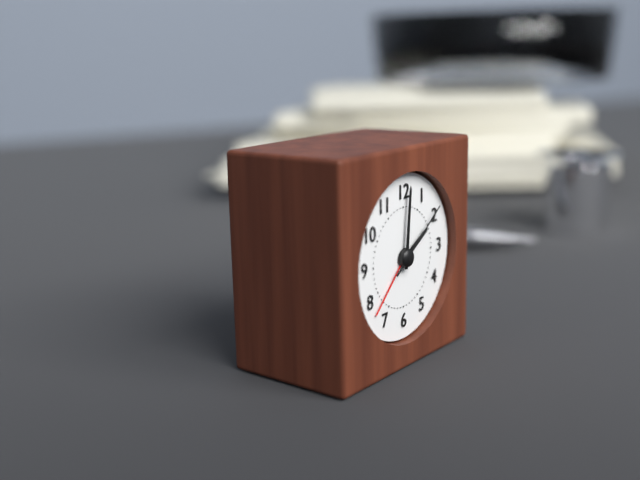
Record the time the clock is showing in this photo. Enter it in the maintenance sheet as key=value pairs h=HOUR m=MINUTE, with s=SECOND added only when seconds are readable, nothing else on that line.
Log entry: h=2 m=1 s=9
